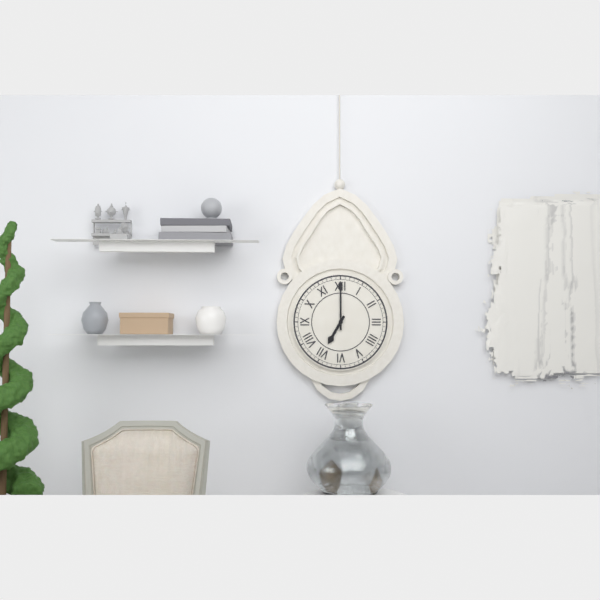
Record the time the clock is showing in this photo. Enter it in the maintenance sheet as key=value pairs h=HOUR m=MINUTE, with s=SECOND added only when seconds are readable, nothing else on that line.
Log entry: h=7 m=0
